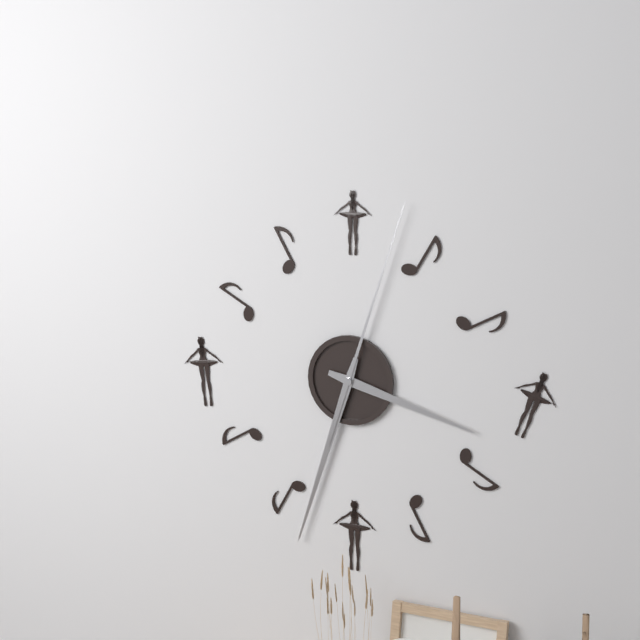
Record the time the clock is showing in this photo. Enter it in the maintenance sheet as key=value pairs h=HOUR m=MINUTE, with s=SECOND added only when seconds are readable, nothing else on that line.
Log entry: h=3 m=33 s=3
